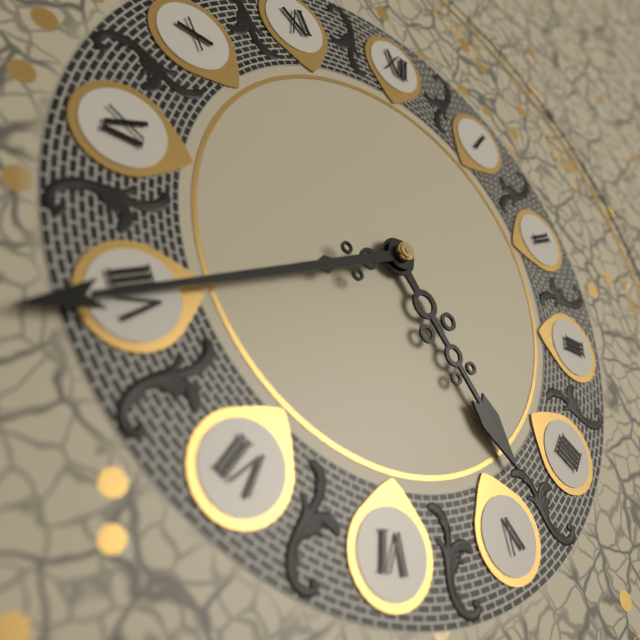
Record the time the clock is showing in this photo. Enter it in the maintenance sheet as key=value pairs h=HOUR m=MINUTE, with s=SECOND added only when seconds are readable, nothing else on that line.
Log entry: h=4 m=40
